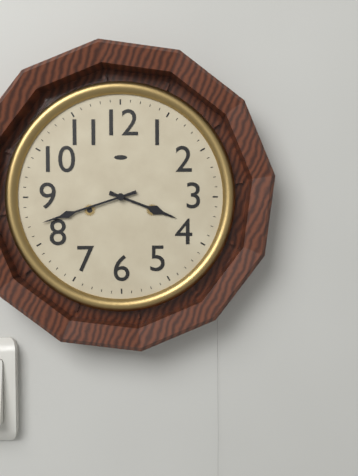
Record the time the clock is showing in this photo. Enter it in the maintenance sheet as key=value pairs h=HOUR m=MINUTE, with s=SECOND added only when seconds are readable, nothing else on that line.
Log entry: h=3 m=42
